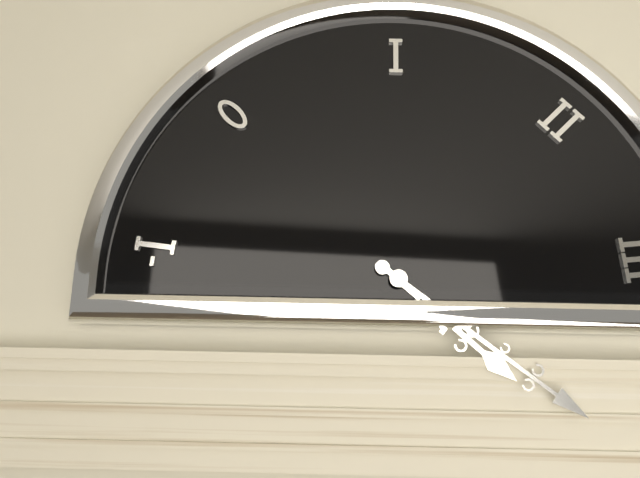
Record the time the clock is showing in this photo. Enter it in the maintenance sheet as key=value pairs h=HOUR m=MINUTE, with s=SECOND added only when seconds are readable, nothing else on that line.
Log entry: h=4 m=21
